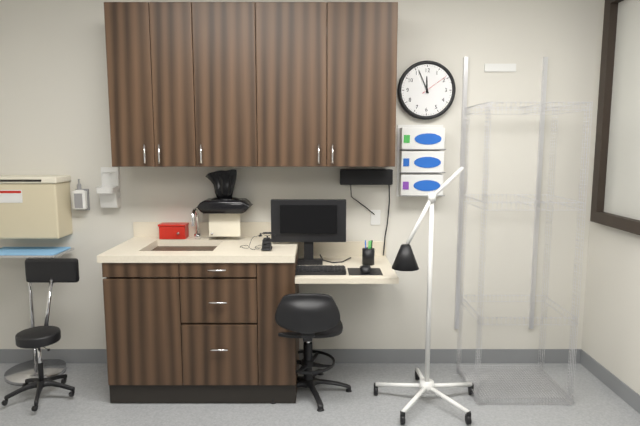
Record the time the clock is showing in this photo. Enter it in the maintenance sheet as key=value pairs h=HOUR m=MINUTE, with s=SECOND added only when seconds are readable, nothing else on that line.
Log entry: h=11 m=56
